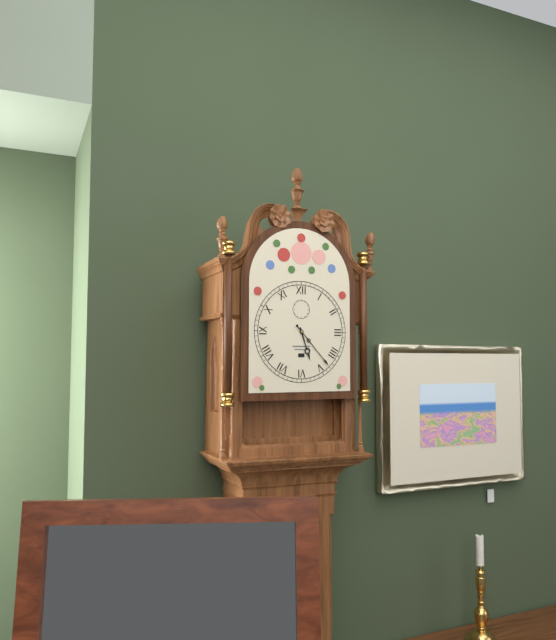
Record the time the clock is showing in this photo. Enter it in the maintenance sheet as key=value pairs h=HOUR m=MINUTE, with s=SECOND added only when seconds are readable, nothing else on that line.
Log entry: h=5 m=23
